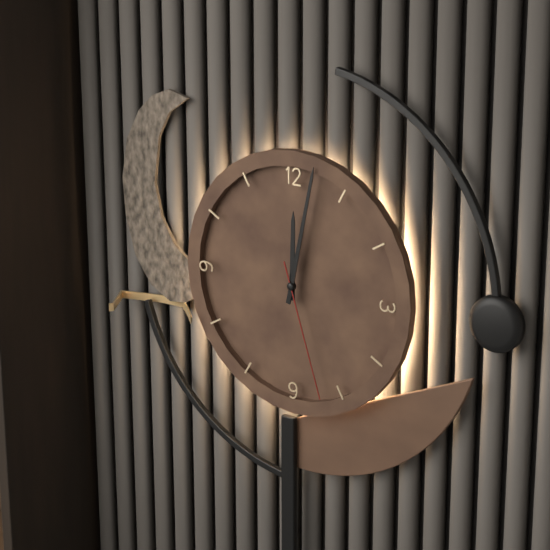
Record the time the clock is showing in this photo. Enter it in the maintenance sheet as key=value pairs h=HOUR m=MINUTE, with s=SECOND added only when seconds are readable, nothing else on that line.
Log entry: h=12 m=2 s=27
